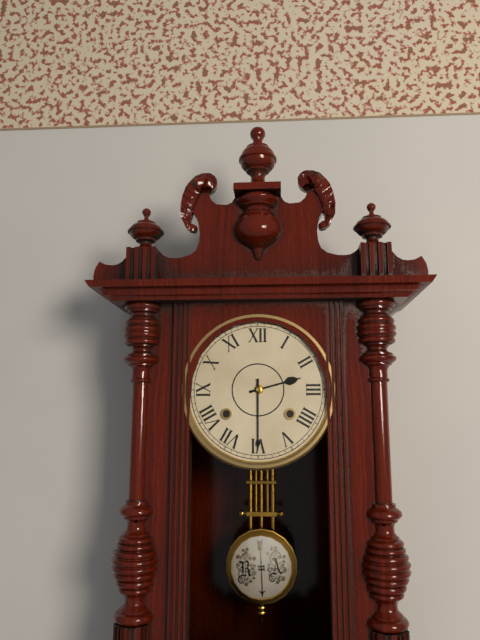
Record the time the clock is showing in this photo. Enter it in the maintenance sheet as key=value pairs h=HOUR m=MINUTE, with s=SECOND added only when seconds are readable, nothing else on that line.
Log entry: h=2 m=30
